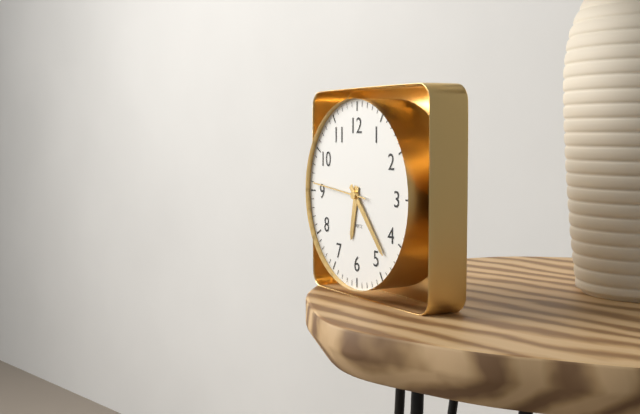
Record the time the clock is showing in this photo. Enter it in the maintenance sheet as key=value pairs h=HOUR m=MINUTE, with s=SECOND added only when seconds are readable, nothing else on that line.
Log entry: h=6 m=23 s=46
